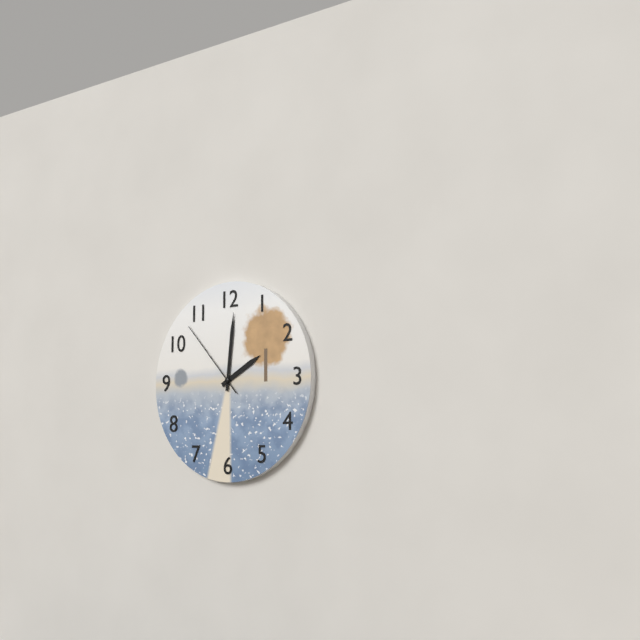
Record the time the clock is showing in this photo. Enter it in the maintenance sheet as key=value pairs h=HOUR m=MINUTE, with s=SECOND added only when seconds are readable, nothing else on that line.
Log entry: h=2 m=1 s=53
